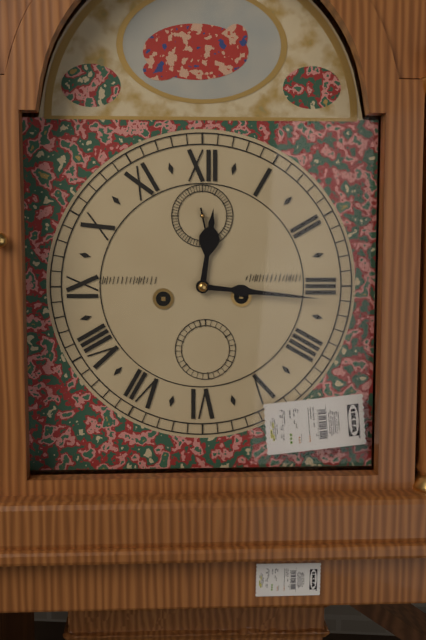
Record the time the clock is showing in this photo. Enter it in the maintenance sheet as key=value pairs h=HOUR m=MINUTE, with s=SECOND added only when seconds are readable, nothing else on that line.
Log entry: h=12 m=16
